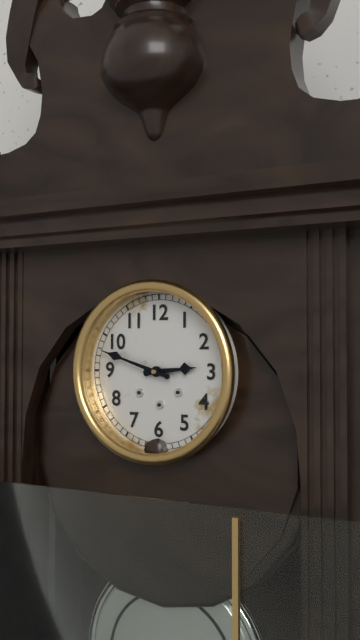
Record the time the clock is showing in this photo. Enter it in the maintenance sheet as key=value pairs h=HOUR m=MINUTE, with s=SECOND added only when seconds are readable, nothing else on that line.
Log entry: h=2 m=48
